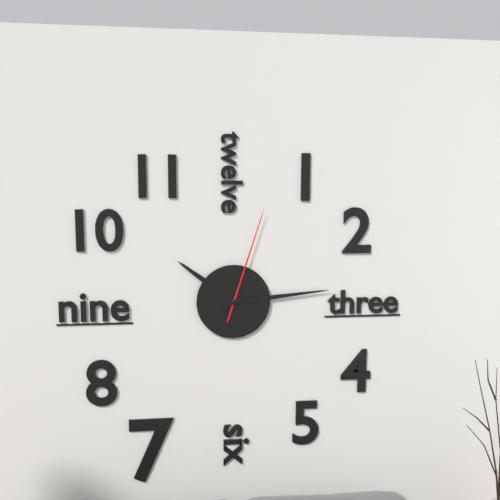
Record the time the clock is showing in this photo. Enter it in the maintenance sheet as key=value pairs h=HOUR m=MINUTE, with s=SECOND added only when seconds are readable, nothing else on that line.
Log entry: h=10 m=14 s=3
